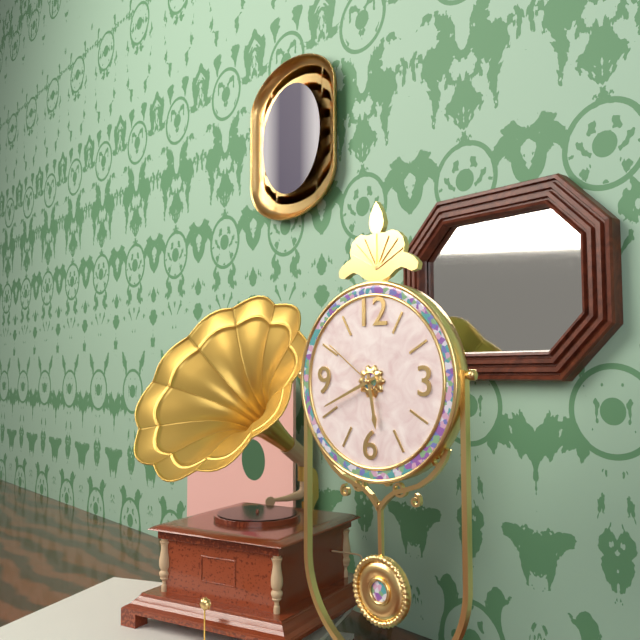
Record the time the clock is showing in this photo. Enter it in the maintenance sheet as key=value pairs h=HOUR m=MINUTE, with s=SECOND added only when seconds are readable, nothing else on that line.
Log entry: h=5 m=41 s=51
